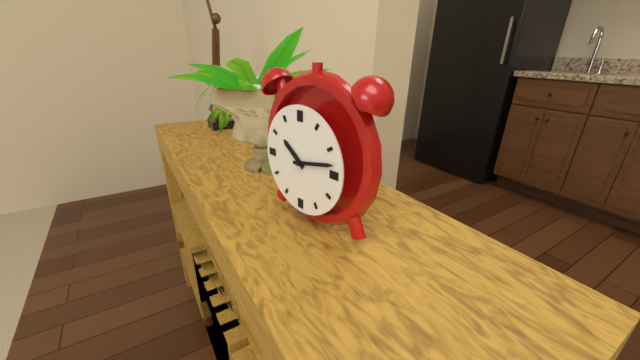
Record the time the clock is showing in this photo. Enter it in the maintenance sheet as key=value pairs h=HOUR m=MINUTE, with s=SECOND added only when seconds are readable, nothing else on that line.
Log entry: h=10 m=13
